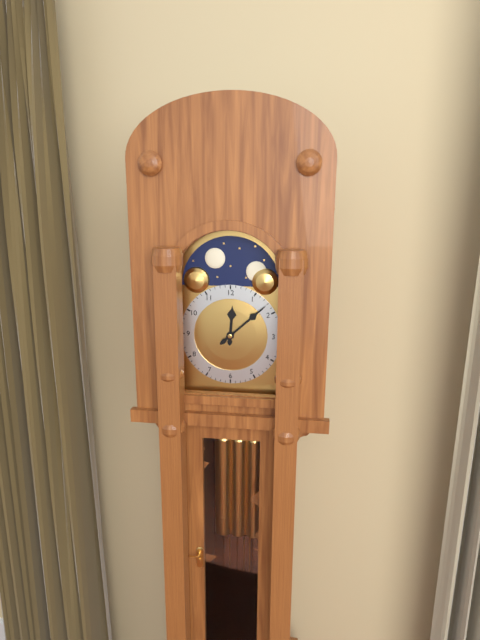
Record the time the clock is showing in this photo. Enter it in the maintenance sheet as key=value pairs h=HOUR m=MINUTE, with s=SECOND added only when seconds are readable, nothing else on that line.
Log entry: h=12 m=8
